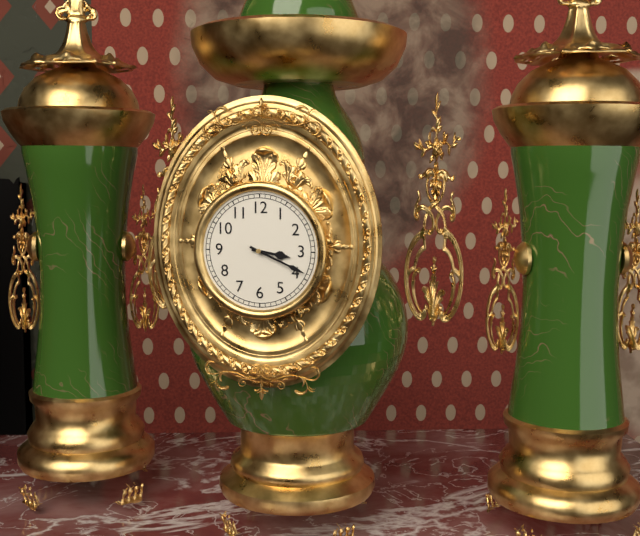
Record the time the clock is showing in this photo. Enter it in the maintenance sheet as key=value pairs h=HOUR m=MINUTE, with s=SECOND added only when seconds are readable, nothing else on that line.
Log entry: h=3 m=19
